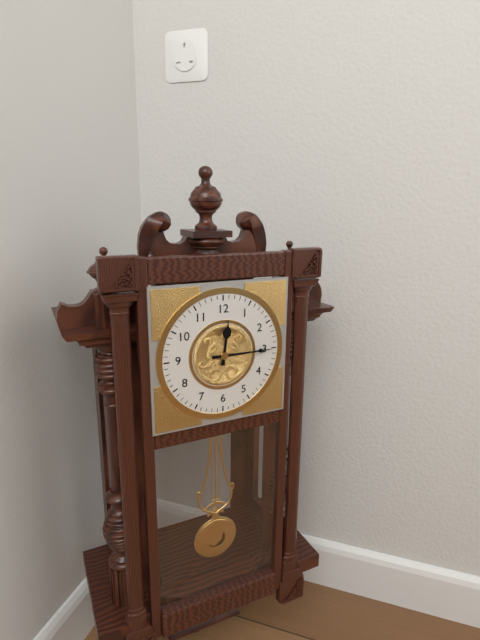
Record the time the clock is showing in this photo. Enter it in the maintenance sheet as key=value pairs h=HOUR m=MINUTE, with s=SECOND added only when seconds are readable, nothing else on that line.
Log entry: h=12 m=15
